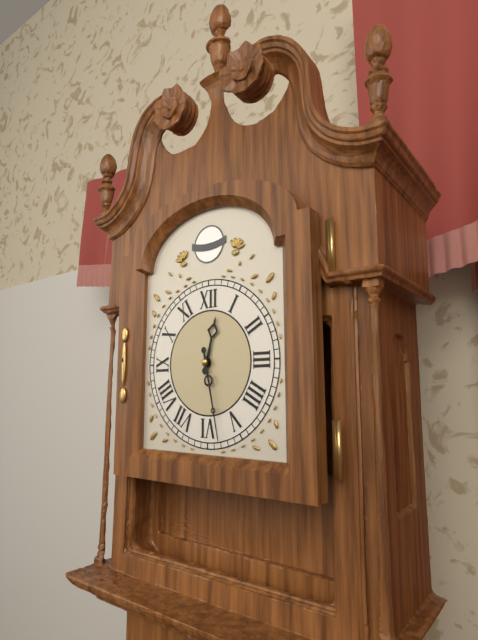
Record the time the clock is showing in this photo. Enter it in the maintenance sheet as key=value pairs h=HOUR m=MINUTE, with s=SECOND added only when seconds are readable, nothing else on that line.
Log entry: h=12 m=28
